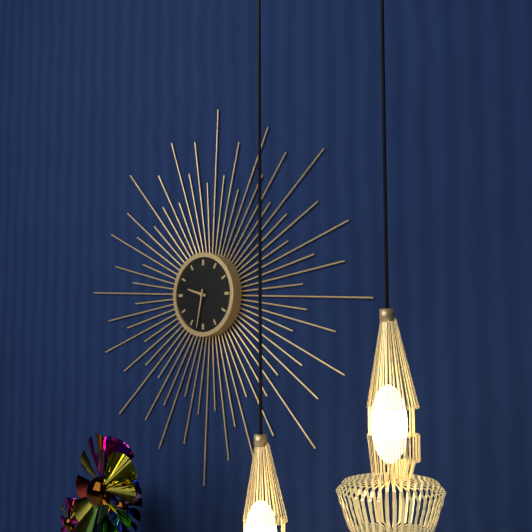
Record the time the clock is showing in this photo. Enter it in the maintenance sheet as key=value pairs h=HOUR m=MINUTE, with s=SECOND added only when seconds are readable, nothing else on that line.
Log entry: h=9 m=32
